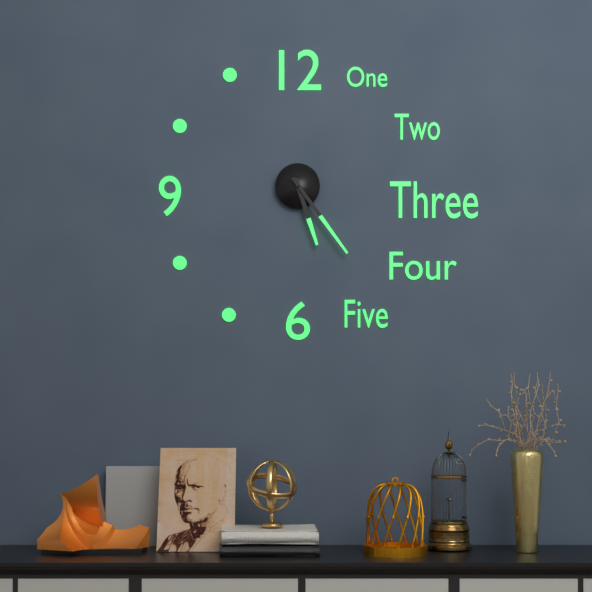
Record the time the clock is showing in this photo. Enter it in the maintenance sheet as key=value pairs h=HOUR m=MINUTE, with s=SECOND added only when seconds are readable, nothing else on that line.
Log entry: h=5 m=24
